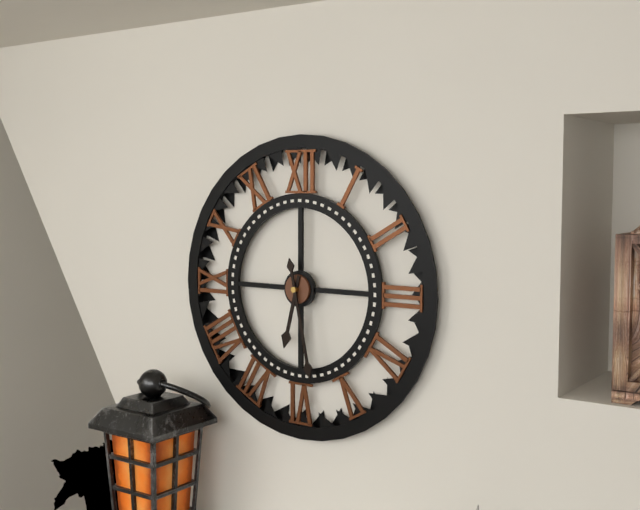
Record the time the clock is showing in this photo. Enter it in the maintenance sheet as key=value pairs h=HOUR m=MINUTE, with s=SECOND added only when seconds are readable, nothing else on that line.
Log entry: h=6 m=28
